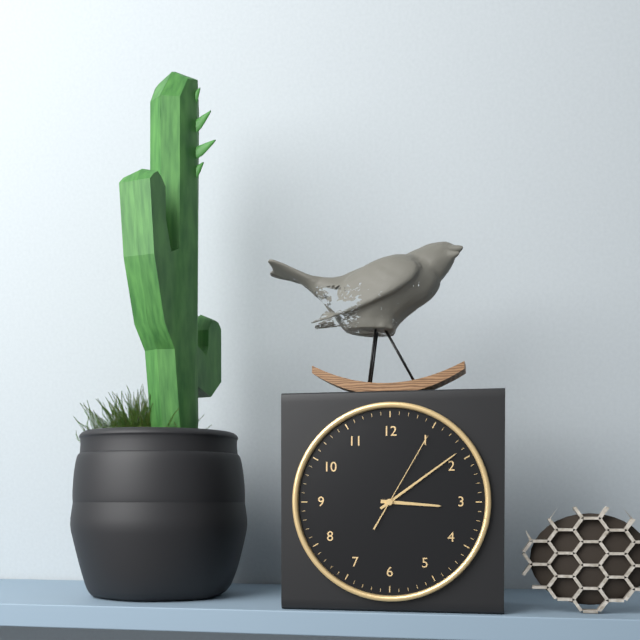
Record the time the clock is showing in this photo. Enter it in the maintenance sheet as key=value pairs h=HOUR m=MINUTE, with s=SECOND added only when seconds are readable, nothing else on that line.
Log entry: h=3 m=9 s=5
